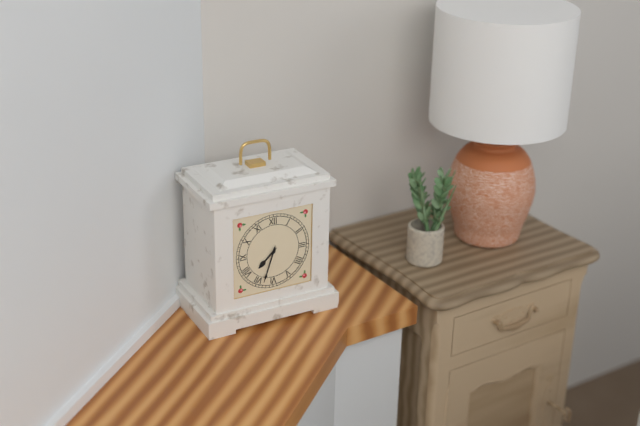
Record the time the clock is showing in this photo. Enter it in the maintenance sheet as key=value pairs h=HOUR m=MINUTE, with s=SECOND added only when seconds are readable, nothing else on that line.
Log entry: h=7 m=33
